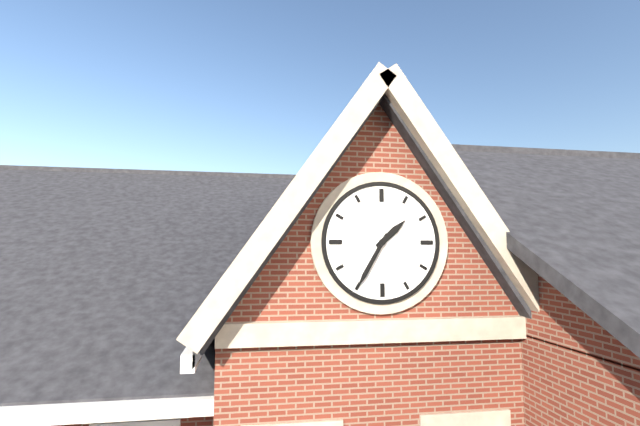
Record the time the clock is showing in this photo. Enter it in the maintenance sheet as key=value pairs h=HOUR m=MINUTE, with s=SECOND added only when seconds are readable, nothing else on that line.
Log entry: h=1 m=35
